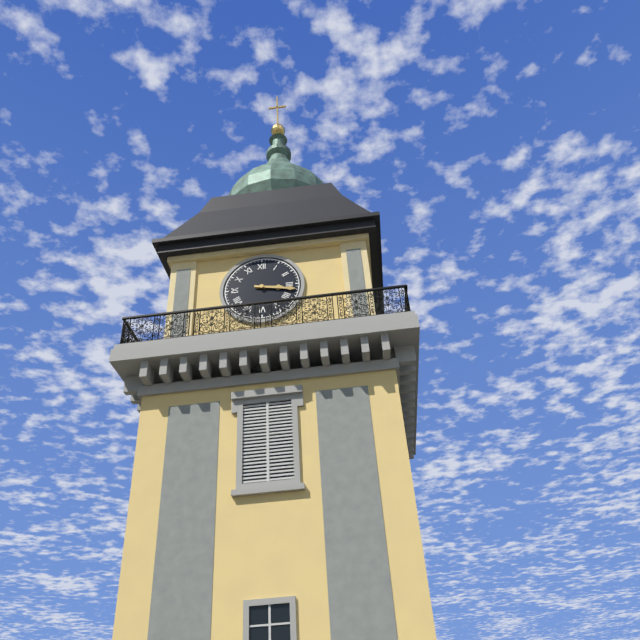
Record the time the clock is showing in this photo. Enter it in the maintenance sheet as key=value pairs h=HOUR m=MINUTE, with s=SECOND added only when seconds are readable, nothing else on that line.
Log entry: h=3 m=17
